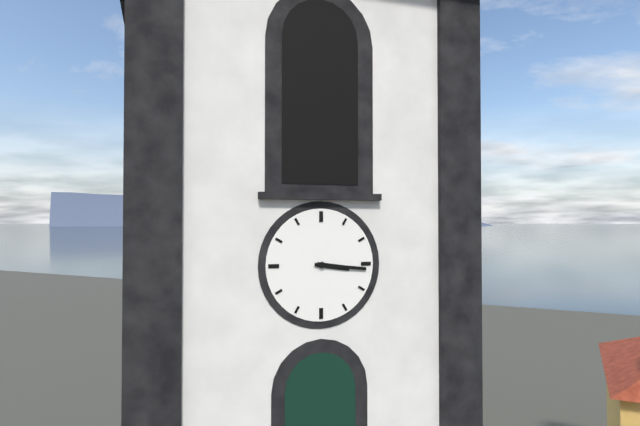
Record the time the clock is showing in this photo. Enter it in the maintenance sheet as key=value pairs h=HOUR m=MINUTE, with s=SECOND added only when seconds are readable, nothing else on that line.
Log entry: h=3 m=16
